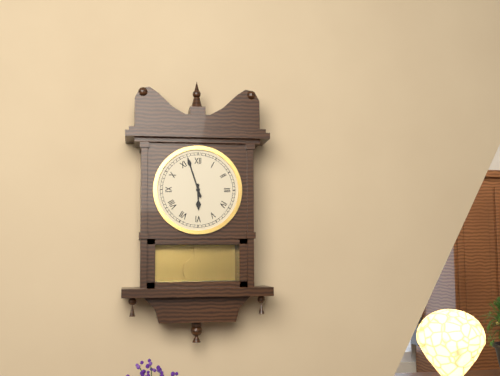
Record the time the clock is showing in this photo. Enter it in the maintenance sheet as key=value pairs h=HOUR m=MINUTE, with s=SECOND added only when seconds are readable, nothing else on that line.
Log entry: h=5 m=57
